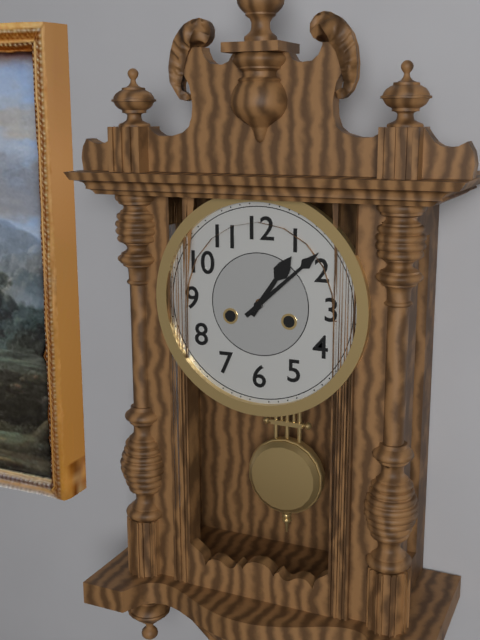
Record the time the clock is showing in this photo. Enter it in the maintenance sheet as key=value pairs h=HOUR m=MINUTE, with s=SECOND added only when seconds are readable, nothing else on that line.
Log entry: h=1 m=8
